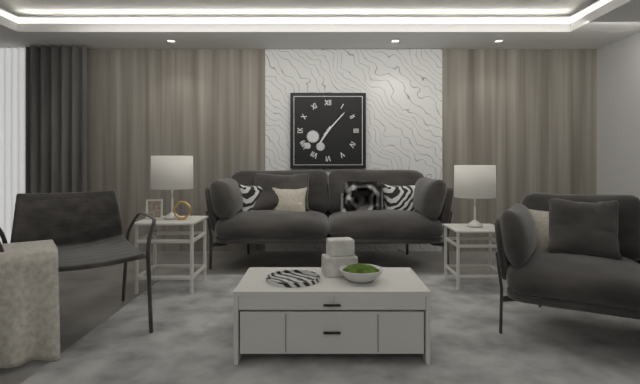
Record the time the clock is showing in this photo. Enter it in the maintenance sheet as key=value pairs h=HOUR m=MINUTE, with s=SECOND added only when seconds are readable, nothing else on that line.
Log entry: h=7 m=7
